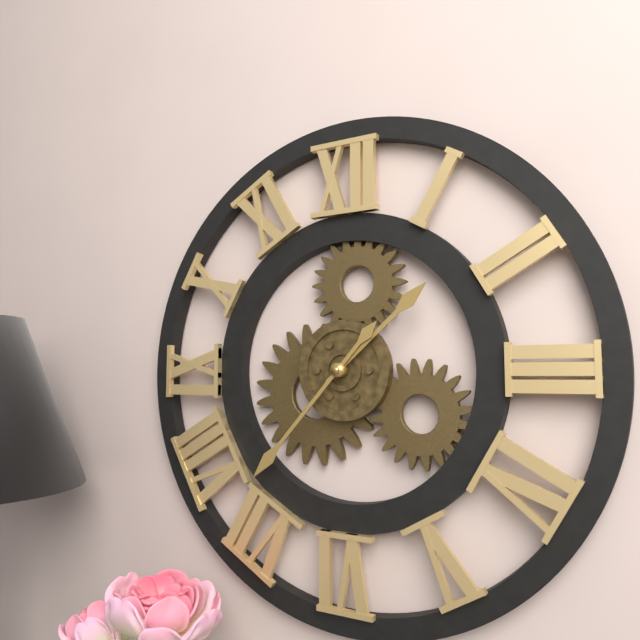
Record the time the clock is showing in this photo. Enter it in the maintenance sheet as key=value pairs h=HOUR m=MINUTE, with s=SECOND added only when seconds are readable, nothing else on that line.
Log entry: h=1 m=37
